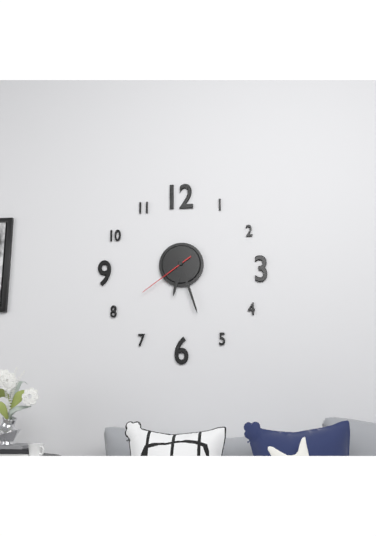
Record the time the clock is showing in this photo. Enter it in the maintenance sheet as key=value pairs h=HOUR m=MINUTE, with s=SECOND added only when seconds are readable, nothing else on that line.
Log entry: h=6 m=27 s=39
